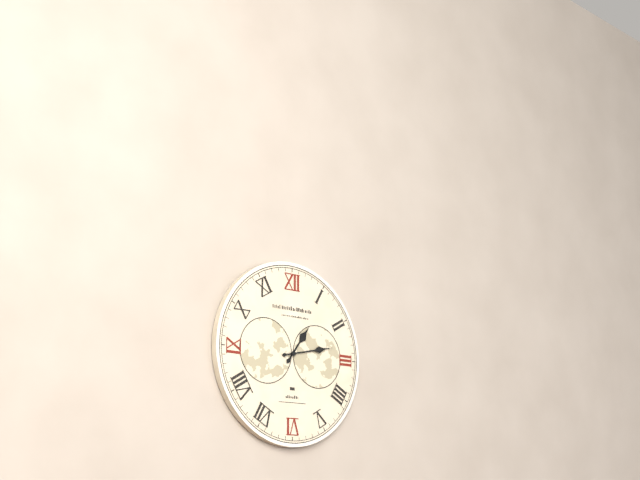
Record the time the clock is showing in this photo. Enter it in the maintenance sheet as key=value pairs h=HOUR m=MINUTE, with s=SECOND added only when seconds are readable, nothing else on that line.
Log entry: h=1 m=13
